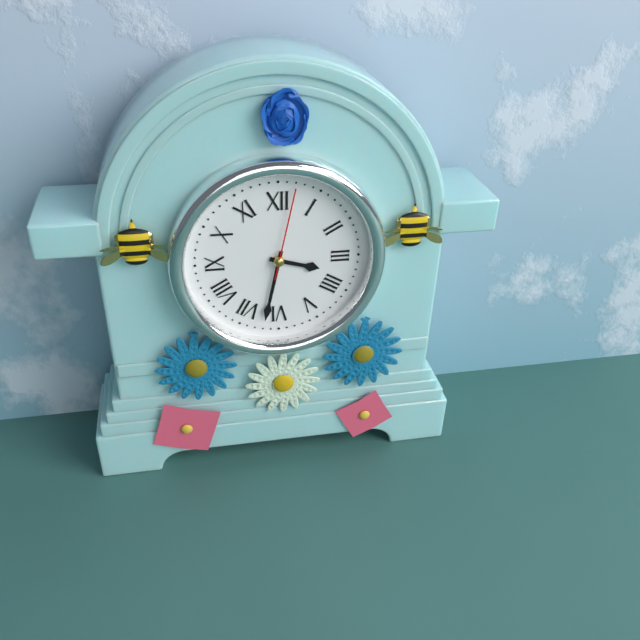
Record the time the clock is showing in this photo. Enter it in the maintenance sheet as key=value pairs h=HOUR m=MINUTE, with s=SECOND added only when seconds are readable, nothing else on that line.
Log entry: h=3 m=32 s=2
